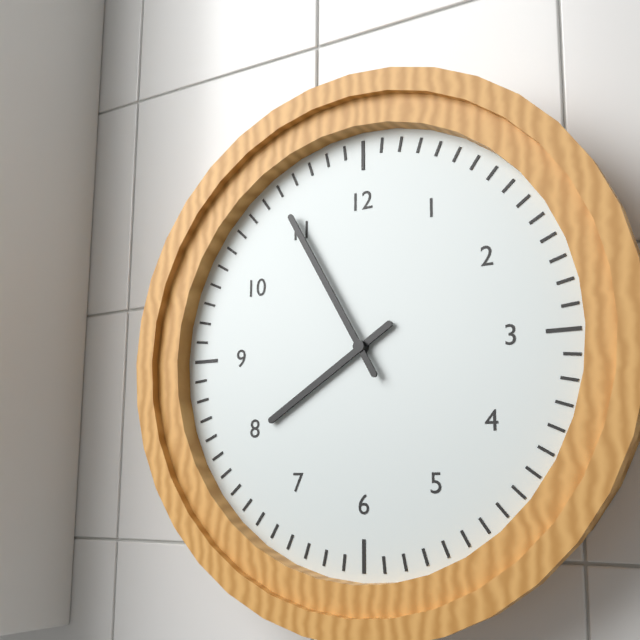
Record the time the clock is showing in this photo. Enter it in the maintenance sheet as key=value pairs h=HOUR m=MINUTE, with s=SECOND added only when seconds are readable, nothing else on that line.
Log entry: h=7 m=55
